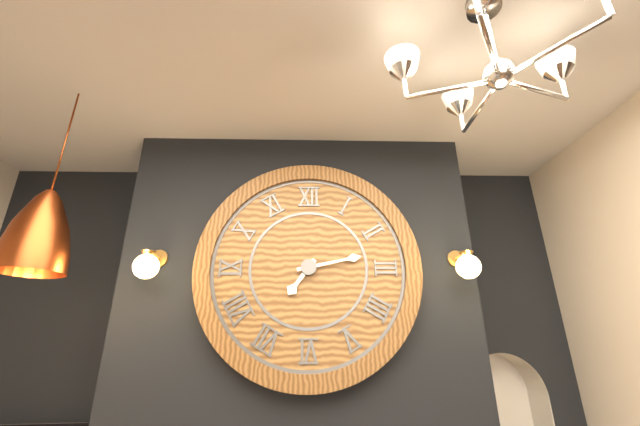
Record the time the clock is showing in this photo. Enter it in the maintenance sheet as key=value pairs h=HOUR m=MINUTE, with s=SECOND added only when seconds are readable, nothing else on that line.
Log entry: h=7 m=13
